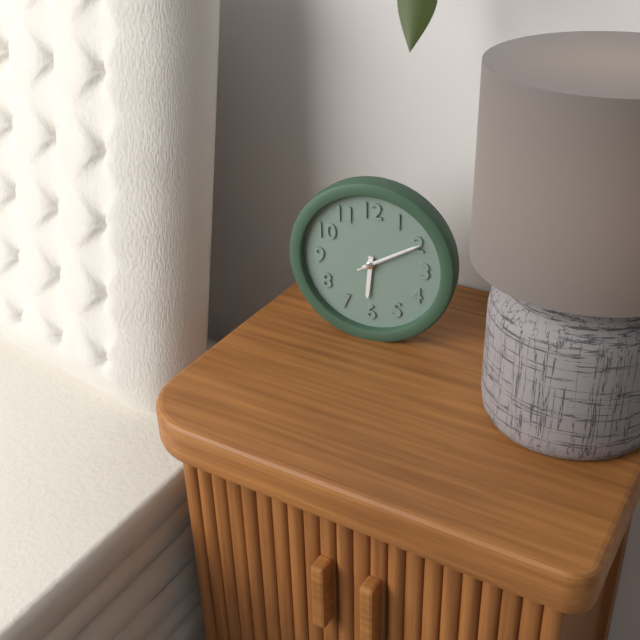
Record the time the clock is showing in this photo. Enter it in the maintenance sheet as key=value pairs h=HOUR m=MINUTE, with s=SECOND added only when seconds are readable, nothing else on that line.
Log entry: h=6 m=10 s=10
